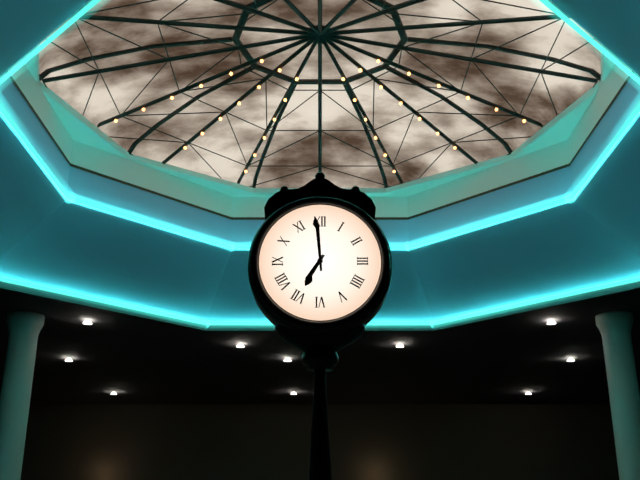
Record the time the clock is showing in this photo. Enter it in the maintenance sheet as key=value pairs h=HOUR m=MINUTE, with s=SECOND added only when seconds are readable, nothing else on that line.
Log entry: h=6 m=59
